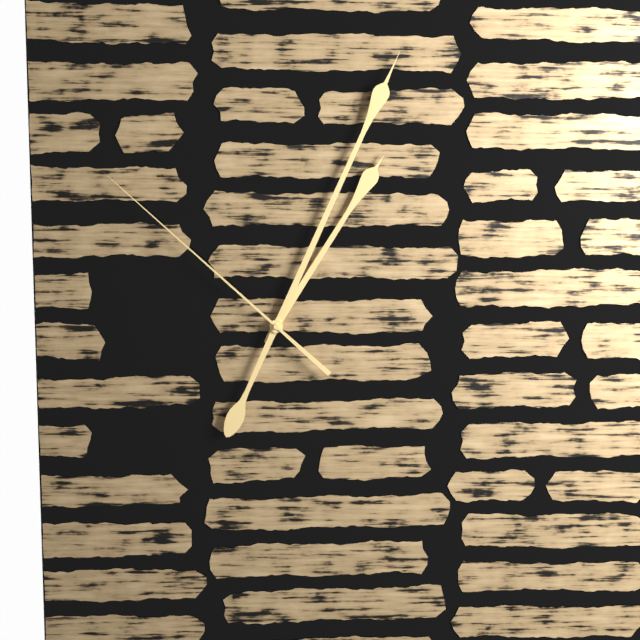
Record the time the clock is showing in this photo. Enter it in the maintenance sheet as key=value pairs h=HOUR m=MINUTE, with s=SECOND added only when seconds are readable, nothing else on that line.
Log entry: h=1 m=4 s=52
